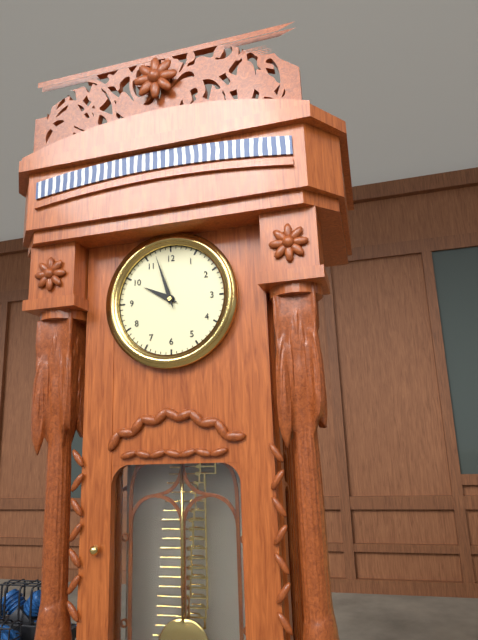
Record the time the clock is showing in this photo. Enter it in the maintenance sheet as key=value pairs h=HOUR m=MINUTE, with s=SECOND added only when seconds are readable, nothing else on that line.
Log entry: h=9 m=57
